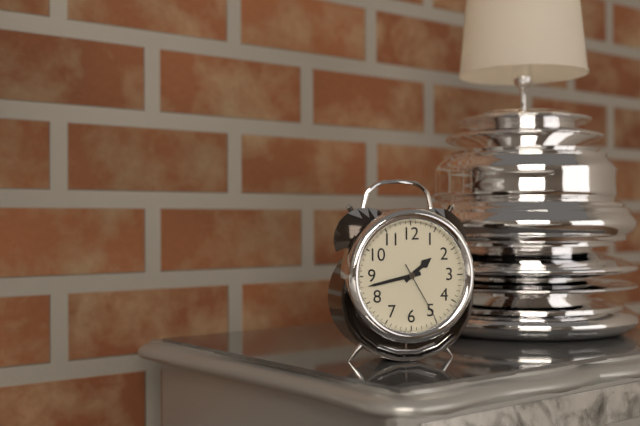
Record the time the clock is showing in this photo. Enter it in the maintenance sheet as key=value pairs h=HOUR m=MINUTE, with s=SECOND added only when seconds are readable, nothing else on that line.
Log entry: h=1 m=43 s=25
